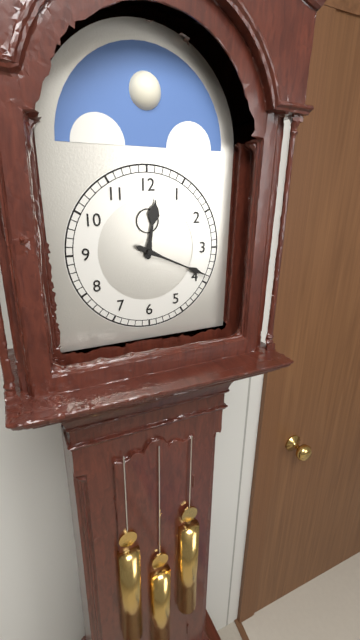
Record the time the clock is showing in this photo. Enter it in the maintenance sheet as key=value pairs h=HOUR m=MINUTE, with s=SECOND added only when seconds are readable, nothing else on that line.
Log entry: h=12 m=19
